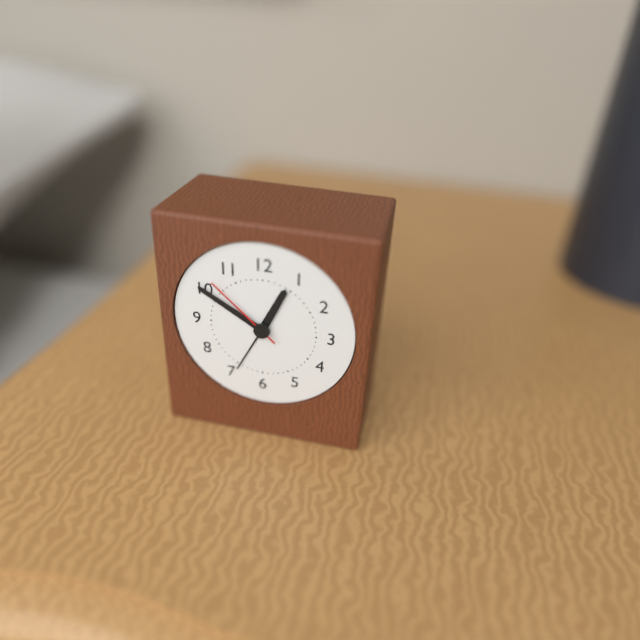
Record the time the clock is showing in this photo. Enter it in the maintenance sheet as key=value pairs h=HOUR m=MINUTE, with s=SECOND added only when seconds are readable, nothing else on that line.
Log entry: h=12 m=50 s=52
